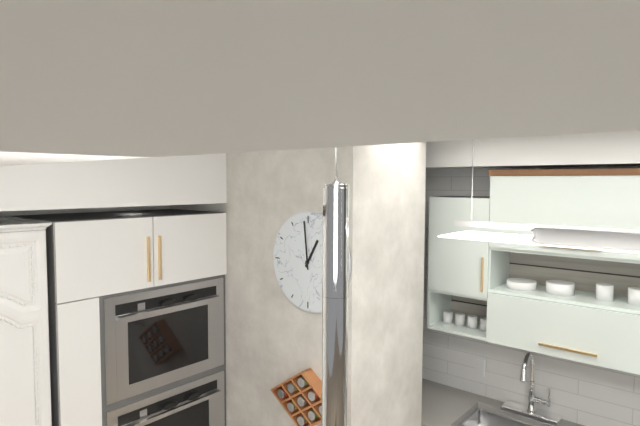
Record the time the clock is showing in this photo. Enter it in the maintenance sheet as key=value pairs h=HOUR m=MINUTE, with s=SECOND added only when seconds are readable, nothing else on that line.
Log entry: h=12 m=59
